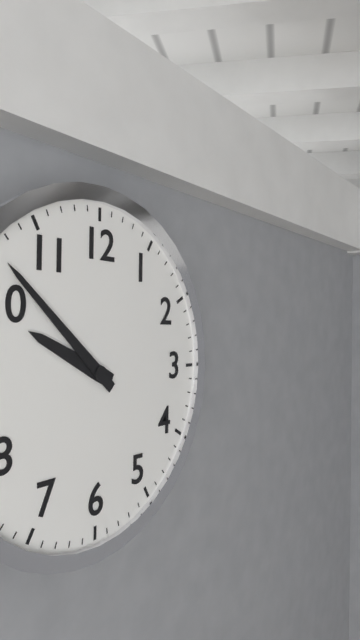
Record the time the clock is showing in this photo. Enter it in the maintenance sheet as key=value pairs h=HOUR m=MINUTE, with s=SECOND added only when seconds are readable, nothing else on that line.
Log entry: h=9 m=52
